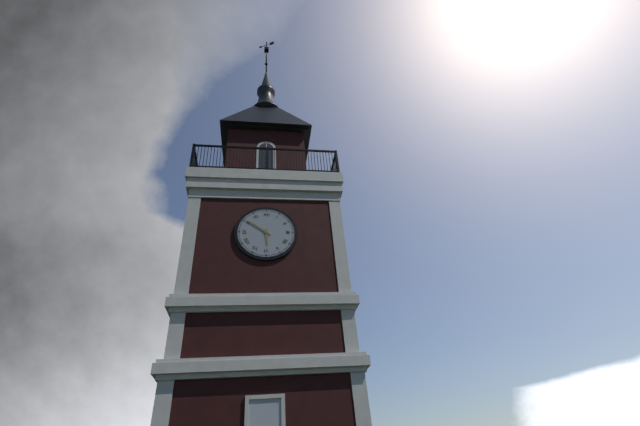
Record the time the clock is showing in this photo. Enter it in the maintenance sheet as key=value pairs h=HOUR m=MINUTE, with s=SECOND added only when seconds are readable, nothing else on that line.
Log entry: h=5 m=51
